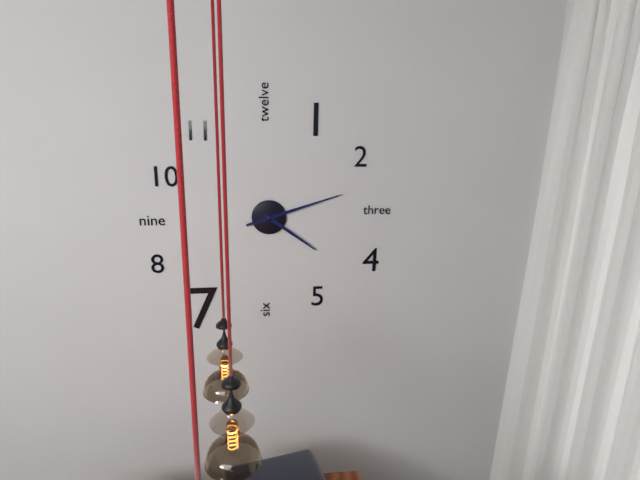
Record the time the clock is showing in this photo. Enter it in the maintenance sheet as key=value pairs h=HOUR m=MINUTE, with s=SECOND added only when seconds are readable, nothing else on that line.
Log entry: h=4 m=12
